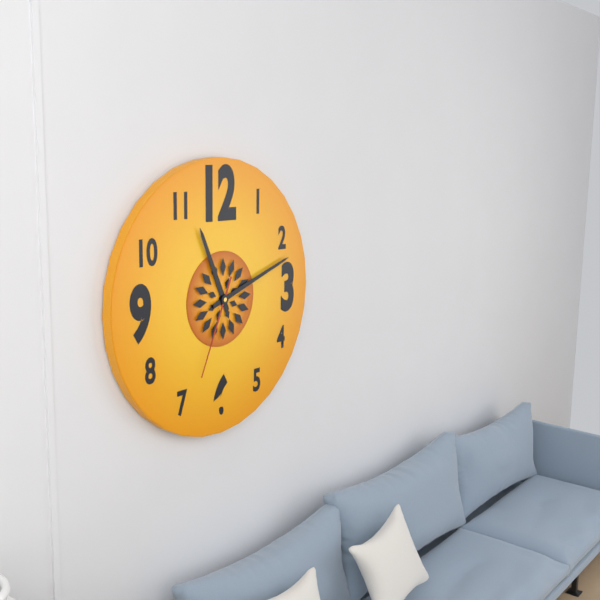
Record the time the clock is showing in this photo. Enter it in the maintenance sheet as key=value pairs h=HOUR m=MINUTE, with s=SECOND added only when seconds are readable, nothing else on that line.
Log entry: h=11 m=12 s=34
